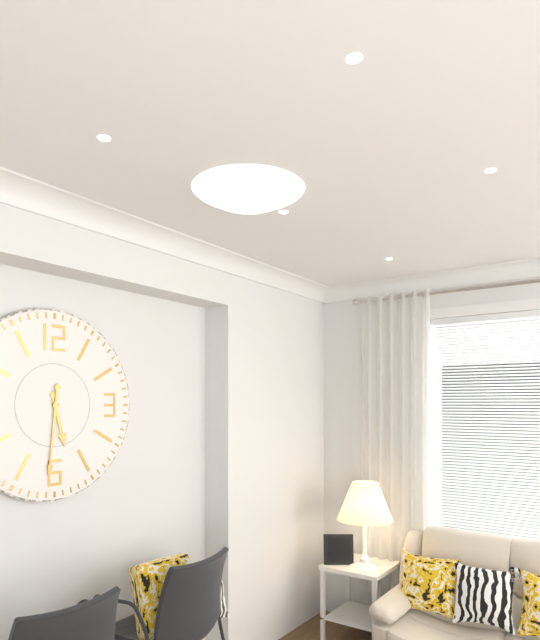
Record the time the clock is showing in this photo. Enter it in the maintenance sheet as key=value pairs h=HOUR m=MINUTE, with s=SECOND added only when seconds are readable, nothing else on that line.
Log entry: h=5 m=31
